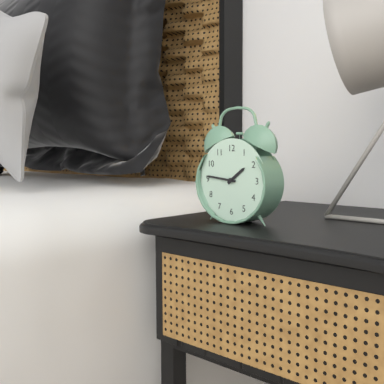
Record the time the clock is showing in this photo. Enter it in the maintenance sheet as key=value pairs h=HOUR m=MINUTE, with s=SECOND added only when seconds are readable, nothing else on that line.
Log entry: h=1 m=46
